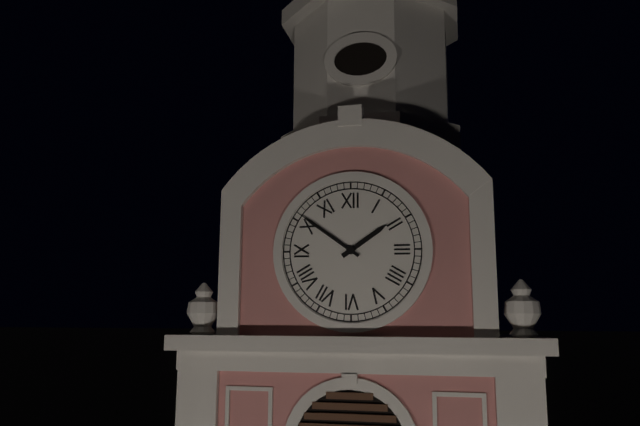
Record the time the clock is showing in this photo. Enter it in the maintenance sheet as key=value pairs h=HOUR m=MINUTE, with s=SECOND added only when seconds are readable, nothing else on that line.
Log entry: h=1 m=51
